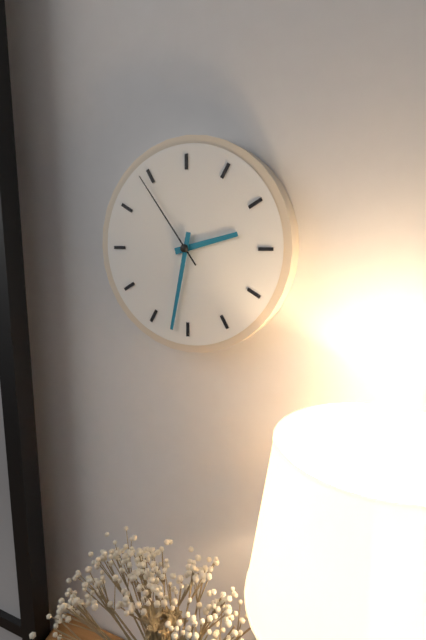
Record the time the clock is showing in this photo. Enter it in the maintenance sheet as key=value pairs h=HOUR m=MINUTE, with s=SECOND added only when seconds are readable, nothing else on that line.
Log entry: h=2 m=32 s=54
